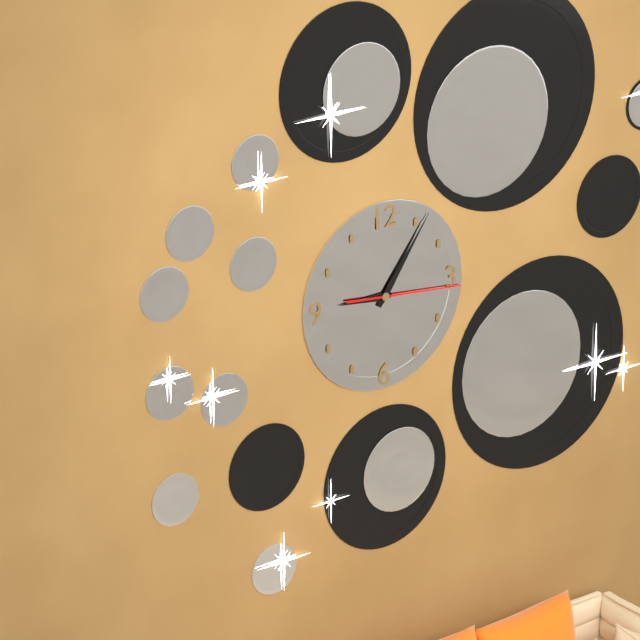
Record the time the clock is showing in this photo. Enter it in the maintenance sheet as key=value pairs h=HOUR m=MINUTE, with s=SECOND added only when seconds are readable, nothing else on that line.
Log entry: h=9 m=6 s=16
